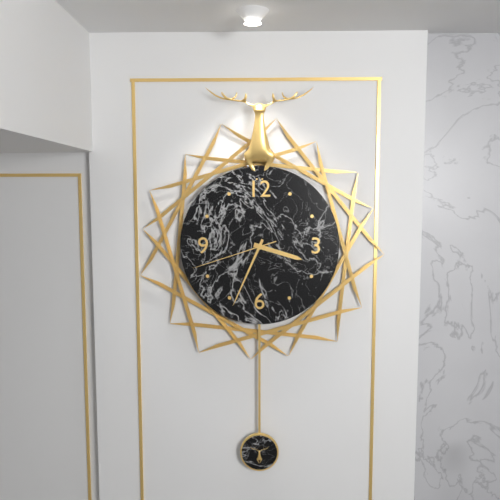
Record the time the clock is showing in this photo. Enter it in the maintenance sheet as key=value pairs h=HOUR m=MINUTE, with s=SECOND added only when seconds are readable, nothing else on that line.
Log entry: h=3 m=34 s=42
